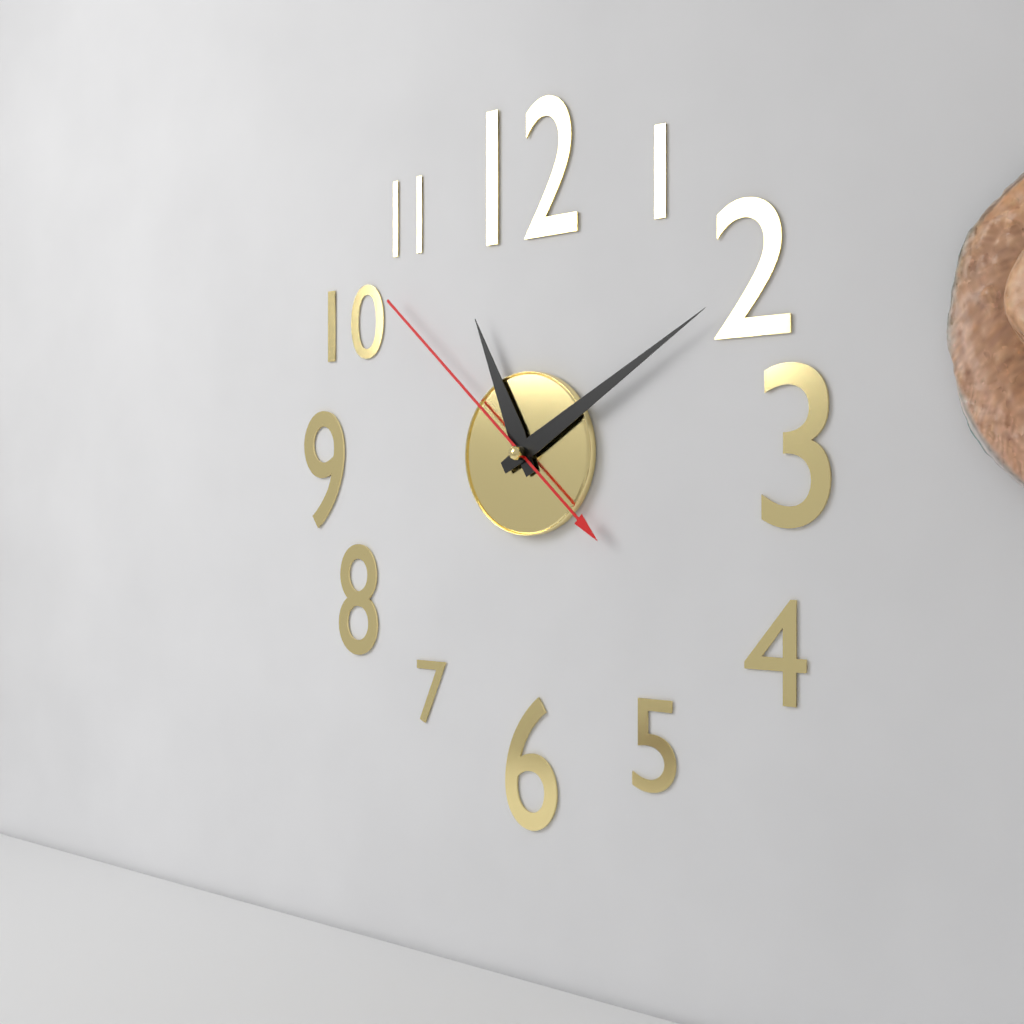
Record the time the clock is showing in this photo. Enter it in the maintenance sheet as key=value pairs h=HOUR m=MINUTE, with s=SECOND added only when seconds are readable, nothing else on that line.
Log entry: h=11 m=10 s=52
